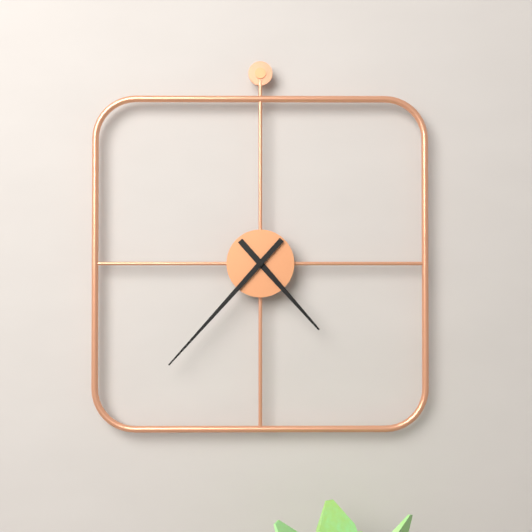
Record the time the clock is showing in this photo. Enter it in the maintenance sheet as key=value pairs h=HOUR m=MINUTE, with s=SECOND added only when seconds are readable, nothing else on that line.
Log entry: h=4 m=37
